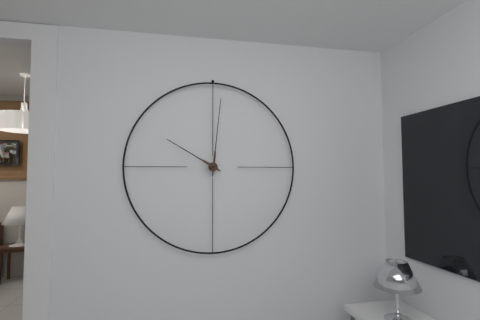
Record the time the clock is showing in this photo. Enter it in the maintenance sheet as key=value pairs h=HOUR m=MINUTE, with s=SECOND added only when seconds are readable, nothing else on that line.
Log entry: h=10 m=1
